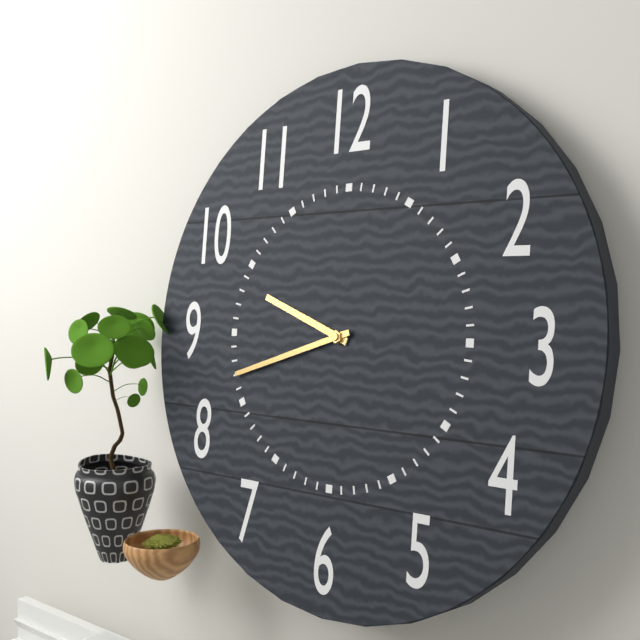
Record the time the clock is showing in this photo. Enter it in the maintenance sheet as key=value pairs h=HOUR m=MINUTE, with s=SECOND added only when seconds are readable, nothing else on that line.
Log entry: h=9 m=42
